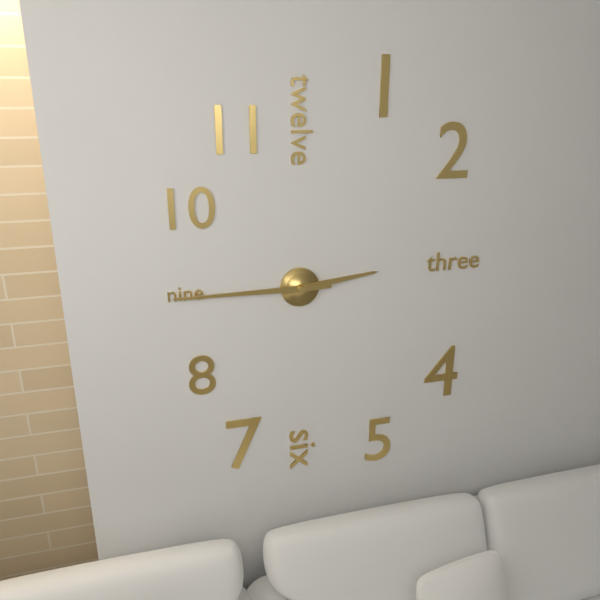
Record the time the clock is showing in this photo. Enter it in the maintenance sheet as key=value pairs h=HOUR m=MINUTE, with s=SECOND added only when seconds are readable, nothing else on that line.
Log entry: h=2 m=45
